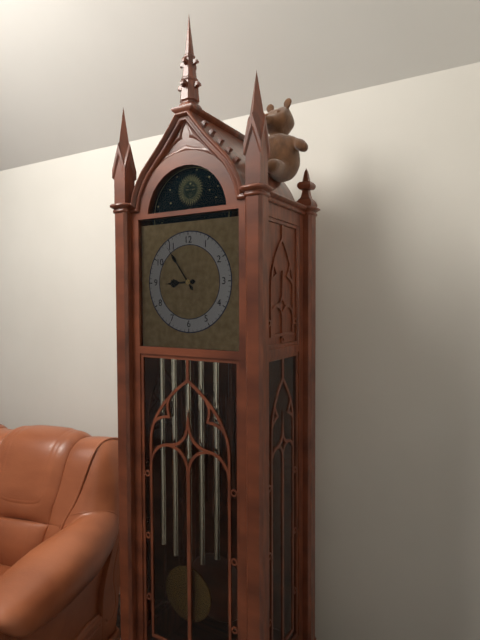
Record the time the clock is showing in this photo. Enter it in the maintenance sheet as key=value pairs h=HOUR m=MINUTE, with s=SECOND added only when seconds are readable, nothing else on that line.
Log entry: h=8 m=54
